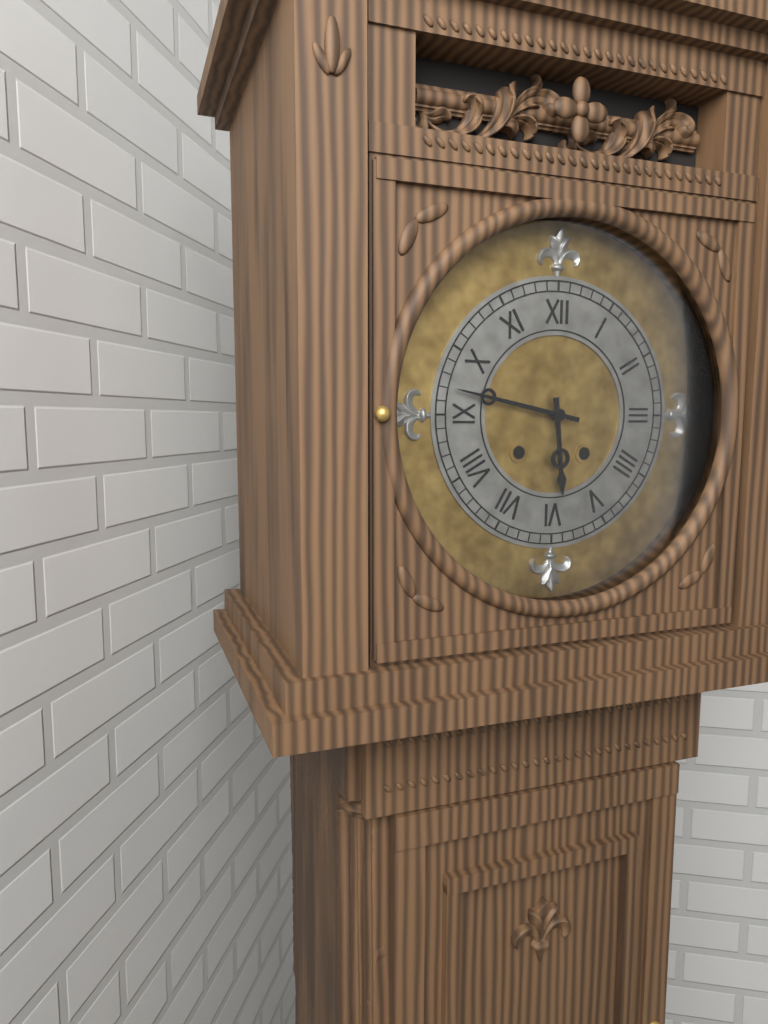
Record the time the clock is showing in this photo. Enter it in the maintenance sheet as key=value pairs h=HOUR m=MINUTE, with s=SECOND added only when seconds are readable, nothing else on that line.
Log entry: h=5 m=47
